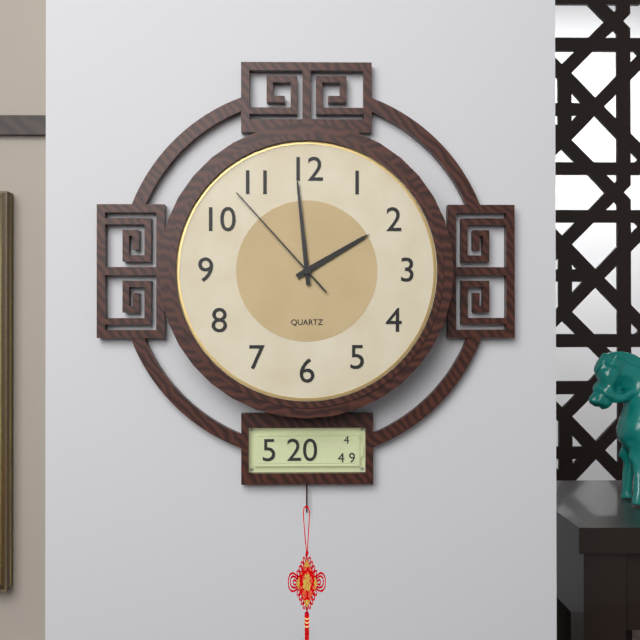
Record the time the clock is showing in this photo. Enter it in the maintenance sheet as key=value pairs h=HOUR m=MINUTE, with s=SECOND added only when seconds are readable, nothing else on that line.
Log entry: h=1 m=59 s=53
